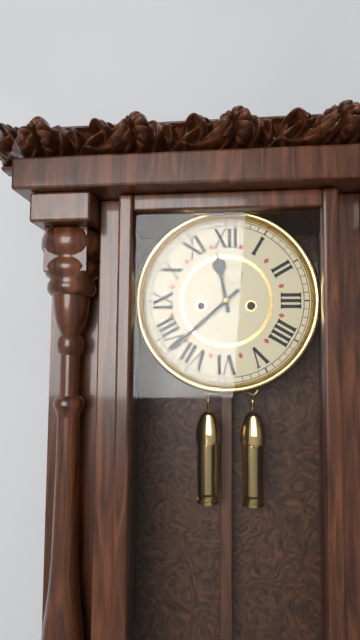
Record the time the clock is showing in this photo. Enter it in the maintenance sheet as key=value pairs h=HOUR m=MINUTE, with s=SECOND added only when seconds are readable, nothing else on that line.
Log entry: h=11 m=38
